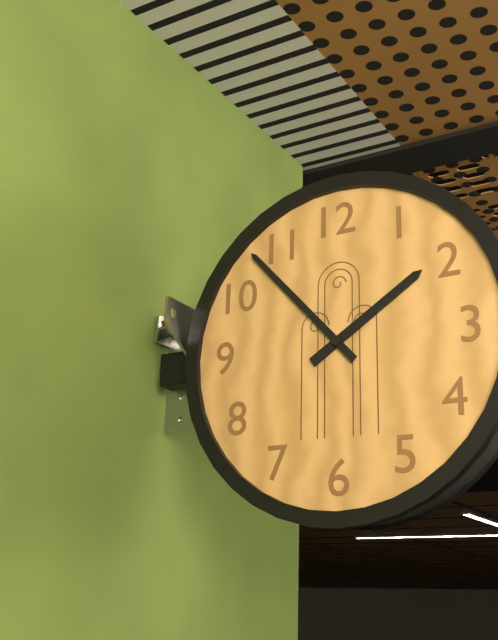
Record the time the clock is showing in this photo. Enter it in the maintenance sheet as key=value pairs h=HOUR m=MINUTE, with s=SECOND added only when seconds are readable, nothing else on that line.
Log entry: h=1 m=53
